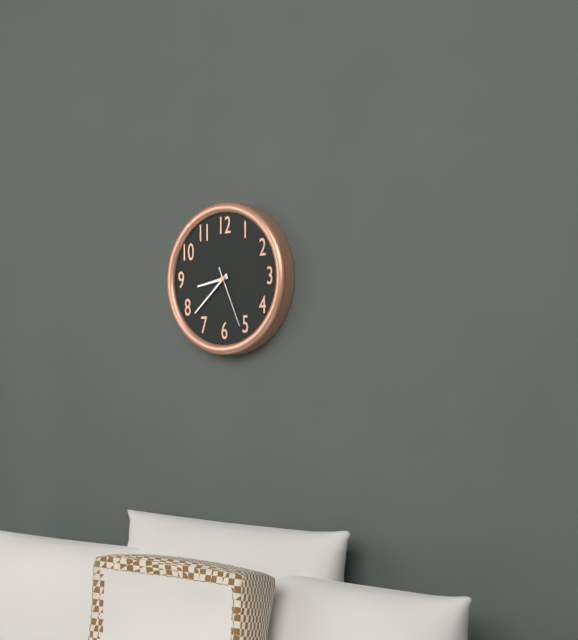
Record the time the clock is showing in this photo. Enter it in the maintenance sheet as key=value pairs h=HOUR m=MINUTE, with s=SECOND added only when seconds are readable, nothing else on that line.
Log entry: h=8 m=38 s=26
